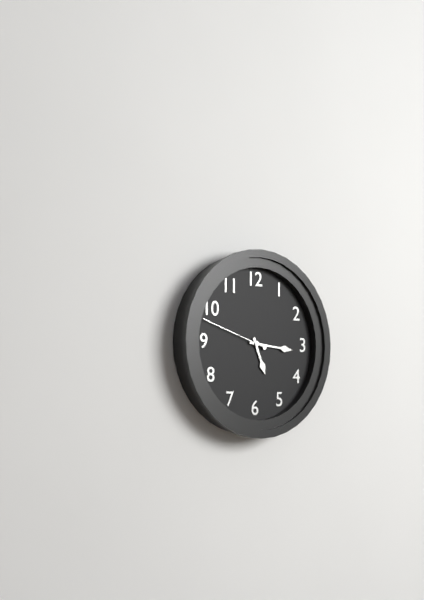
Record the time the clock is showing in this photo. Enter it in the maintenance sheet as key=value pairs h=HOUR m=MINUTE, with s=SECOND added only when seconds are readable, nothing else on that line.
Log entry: h=5 m=16 s=48
